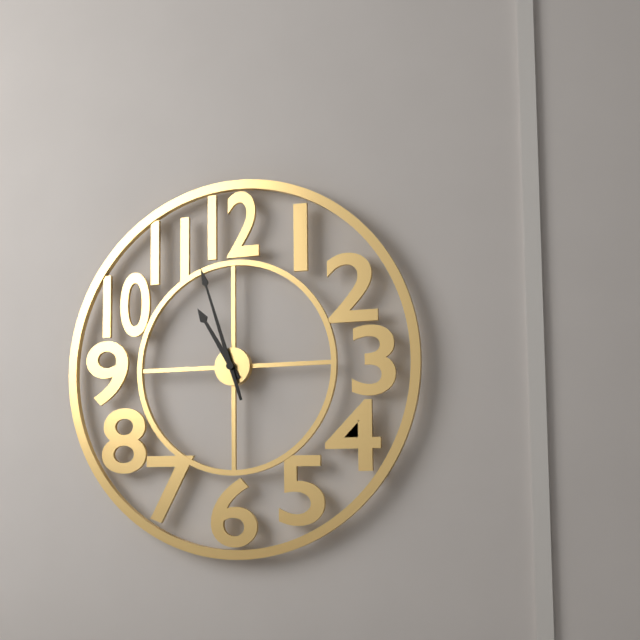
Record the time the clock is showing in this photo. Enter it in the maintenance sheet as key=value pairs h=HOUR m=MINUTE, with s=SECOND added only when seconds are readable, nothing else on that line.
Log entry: h=10 m=57
